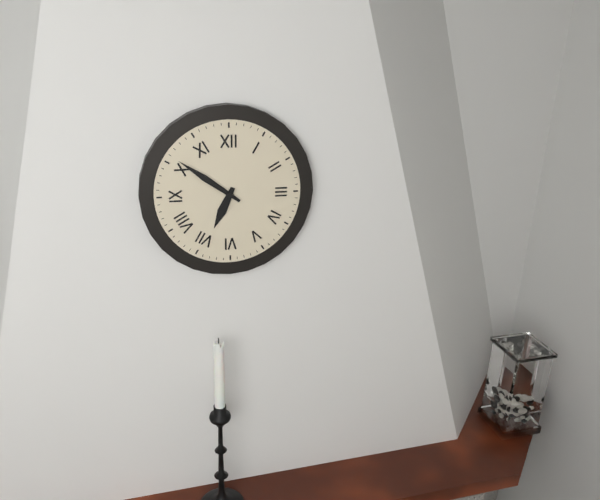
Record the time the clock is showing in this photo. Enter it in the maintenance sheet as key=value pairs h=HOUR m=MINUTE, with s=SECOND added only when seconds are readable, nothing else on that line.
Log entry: h=6 m=51
